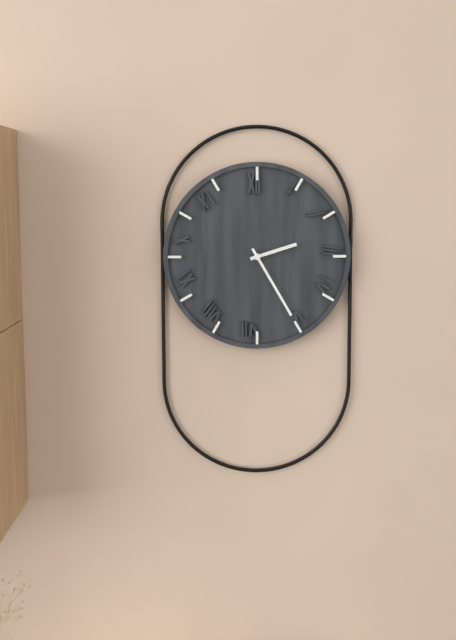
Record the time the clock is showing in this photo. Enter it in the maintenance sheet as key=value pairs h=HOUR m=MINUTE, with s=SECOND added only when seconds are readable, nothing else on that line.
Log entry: h=2 m=25
